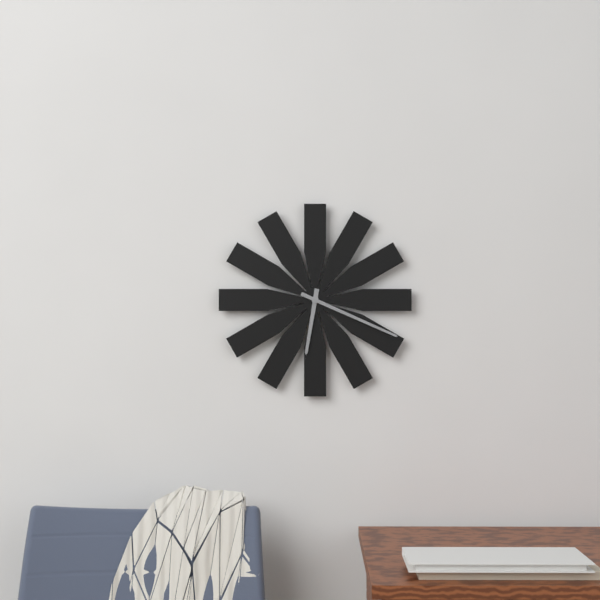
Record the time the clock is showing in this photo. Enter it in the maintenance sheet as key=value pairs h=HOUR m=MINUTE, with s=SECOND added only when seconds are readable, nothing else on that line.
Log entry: h=6 m=19
